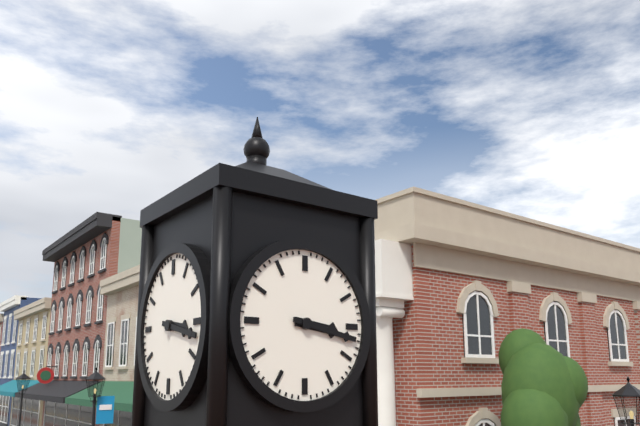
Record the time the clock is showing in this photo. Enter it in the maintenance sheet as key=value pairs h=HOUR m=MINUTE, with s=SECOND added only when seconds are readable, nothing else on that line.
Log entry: h=3 m=17
